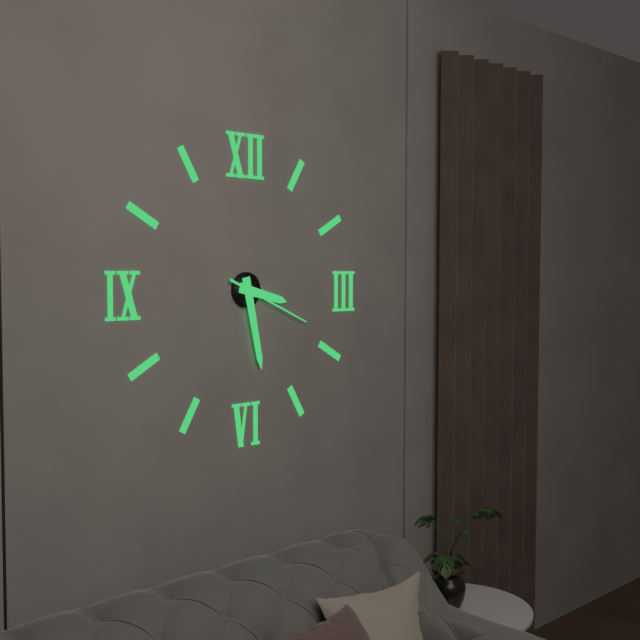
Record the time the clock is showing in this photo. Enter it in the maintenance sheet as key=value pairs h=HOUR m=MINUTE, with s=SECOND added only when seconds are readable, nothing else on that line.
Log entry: h=3 m=28 s=19
